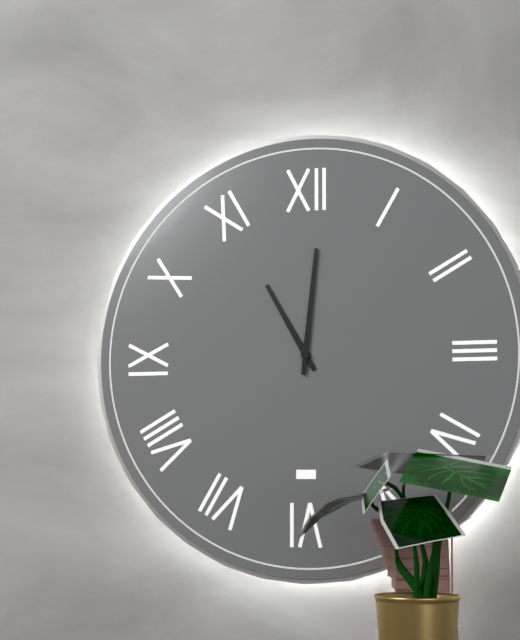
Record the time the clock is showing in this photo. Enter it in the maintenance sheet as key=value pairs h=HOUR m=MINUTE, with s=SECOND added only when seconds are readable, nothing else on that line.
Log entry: h=11 m=1
